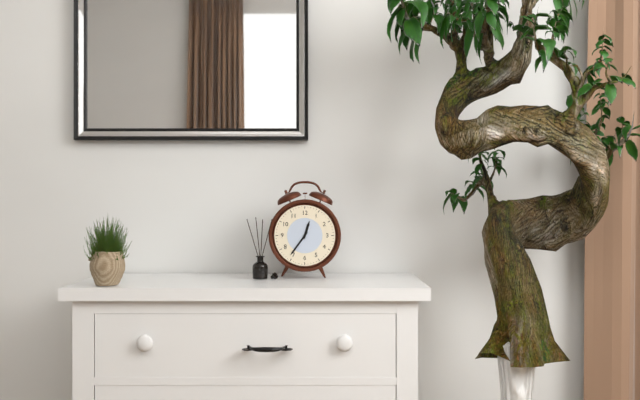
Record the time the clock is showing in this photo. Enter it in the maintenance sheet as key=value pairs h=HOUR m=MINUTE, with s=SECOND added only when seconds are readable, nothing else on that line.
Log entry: h=12 m=36
